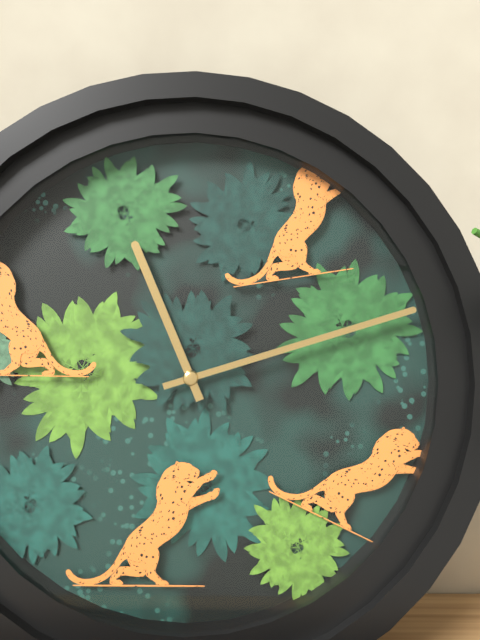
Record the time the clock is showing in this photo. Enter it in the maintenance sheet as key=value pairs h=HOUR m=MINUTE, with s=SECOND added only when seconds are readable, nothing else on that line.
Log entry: h=11 m=12
